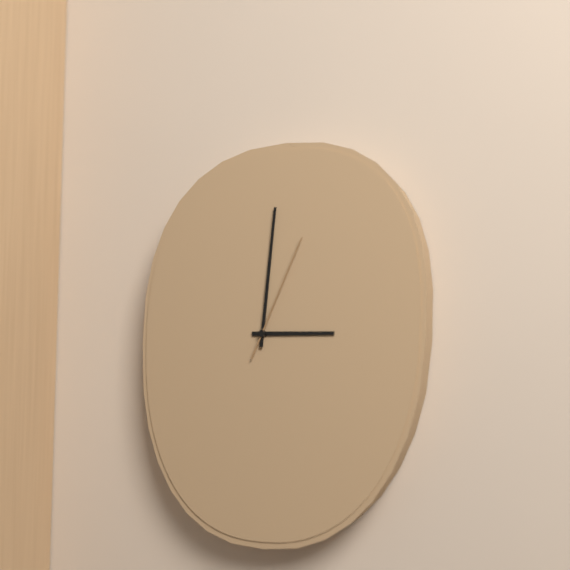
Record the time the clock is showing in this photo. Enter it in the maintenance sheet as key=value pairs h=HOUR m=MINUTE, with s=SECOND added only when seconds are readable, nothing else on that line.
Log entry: h=3 m=1 s=4
